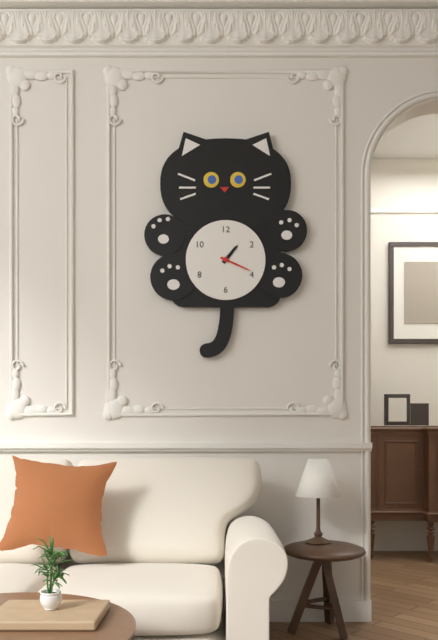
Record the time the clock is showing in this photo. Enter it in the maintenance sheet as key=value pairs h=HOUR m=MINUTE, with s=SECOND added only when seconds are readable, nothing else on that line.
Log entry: h=1 m=19
